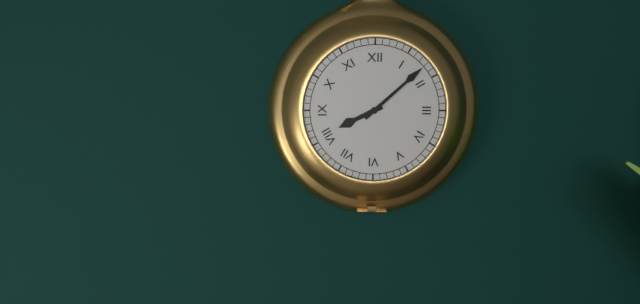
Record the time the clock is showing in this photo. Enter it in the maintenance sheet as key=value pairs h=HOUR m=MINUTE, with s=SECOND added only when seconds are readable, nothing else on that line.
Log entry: h=8 m=8
